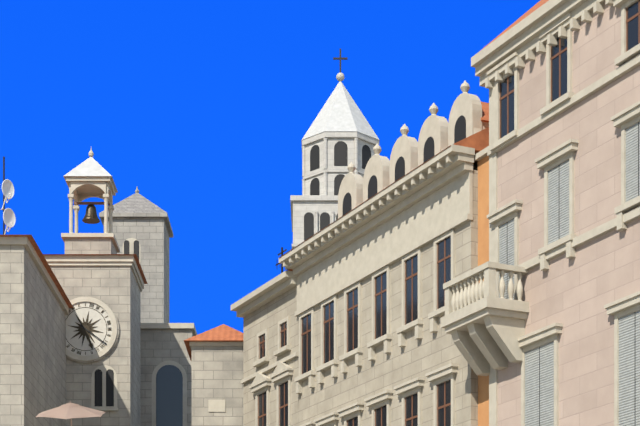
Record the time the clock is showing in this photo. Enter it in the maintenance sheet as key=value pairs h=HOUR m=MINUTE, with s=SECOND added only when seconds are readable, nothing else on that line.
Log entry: h=5 m=21
